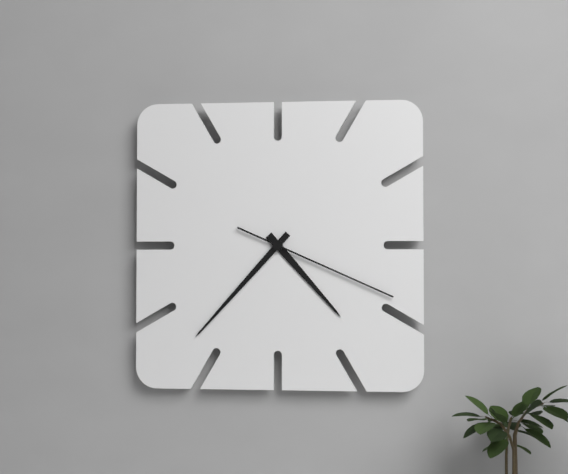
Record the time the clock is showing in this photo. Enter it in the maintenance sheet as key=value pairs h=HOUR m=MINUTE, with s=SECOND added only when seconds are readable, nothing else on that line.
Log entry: h=4 m=37 s=19
